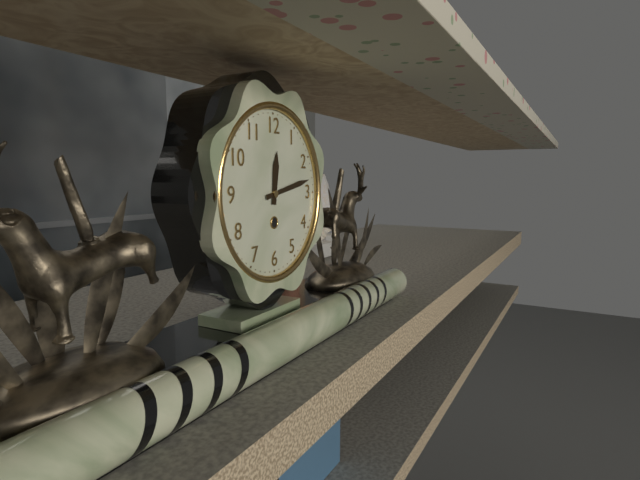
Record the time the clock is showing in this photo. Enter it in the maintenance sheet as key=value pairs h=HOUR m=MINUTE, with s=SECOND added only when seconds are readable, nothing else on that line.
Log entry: h=12 m=13
